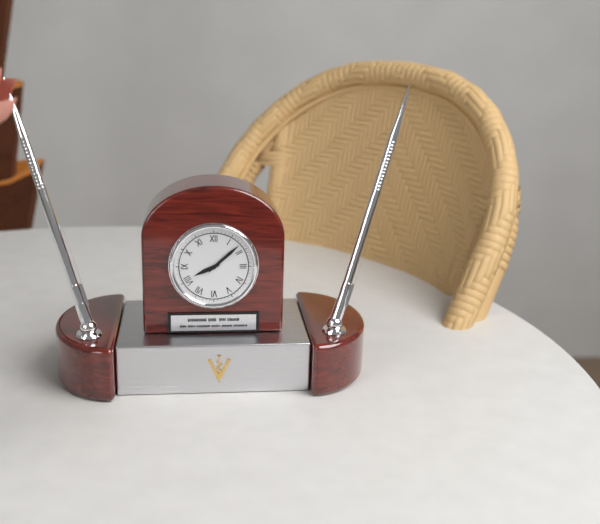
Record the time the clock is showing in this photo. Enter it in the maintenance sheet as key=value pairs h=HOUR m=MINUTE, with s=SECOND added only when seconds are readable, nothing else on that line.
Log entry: h=8 m=8
